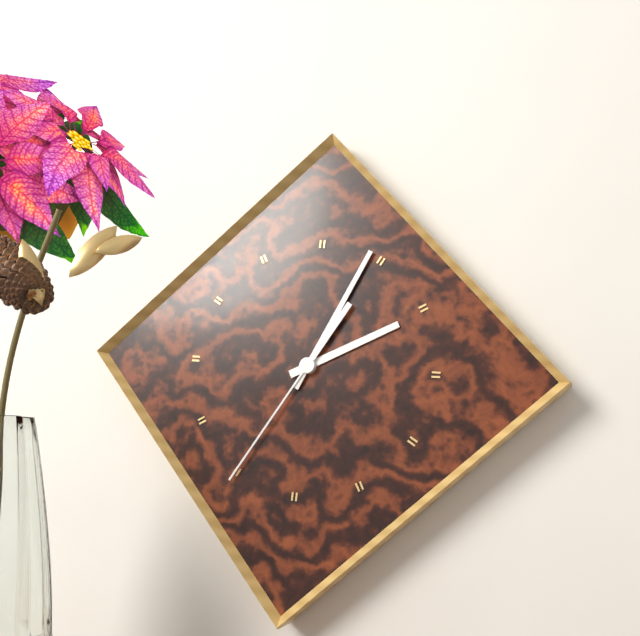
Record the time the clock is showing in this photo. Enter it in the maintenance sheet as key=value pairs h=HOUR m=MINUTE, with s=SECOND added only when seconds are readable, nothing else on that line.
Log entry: h=2 m=4 s=35
